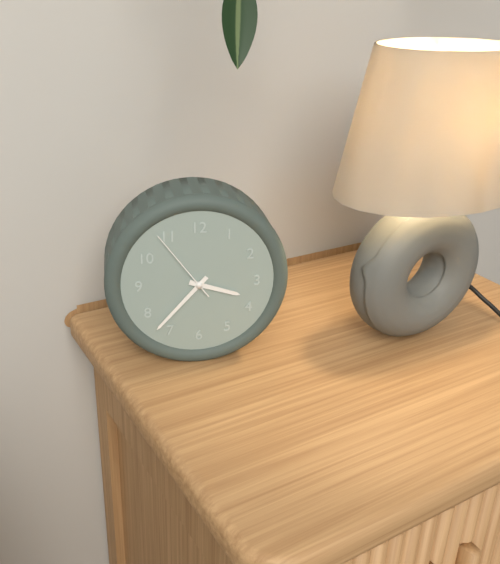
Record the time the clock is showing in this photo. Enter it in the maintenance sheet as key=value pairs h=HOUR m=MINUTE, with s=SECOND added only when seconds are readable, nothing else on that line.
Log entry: h=3 m=37 s=54
